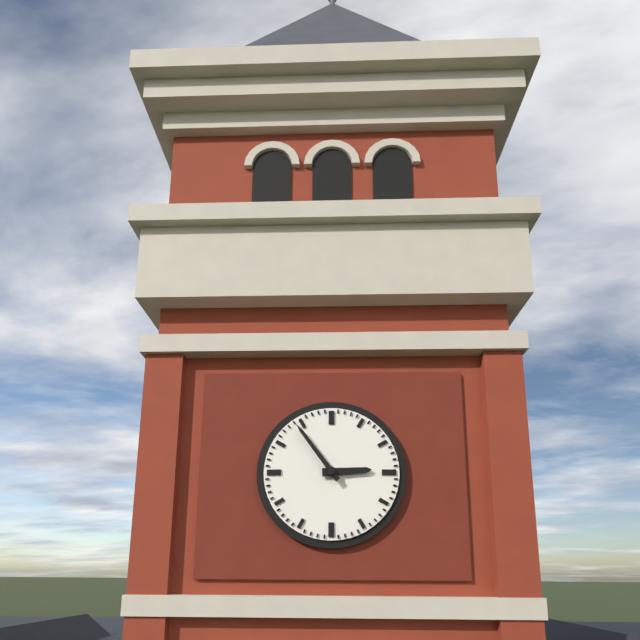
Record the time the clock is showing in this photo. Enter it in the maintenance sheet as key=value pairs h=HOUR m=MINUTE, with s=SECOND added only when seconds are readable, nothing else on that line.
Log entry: h=2 m=54
